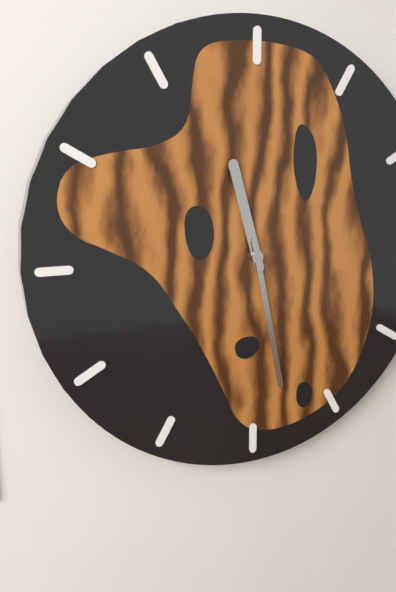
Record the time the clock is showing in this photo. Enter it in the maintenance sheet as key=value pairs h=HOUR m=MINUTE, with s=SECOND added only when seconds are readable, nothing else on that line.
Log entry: h=11 m=28
